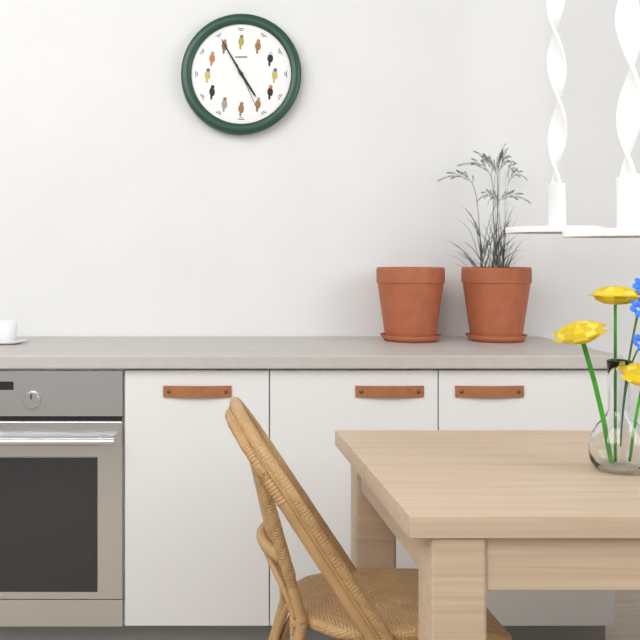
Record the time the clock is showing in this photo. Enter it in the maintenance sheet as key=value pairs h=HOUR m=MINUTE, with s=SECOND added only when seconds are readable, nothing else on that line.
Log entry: h=4 m=55
